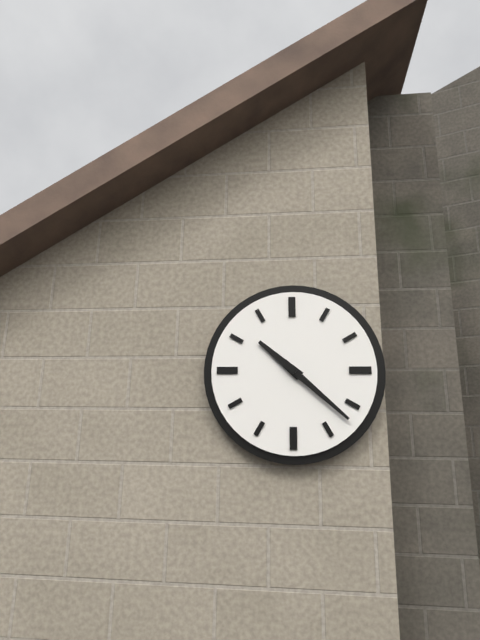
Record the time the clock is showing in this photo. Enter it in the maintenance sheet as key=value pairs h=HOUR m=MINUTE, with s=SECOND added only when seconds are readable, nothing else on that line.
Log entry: h=10 m=22
